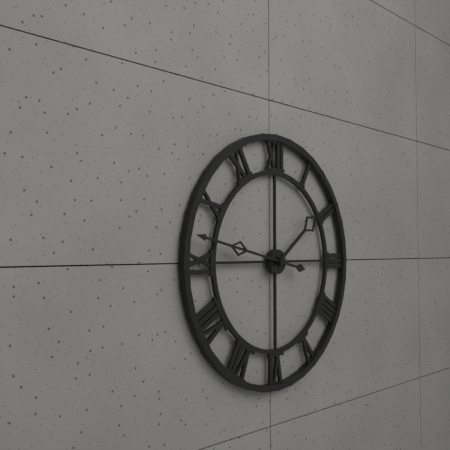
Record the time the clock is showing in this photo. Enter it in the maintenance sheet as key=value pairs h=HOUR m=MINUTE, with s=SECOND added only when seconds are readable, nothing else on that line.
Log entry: h=1 m=47
